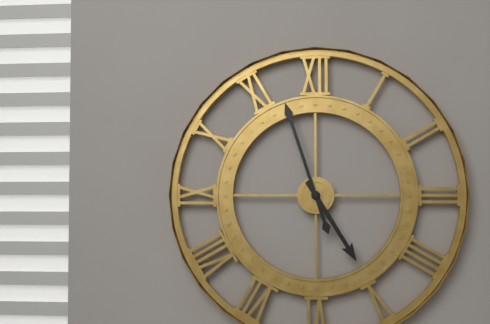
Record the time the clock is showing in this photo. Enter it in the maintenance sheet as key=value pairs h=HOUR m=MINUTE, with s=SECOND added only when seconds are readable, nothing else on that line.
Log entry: h=4 m=57
